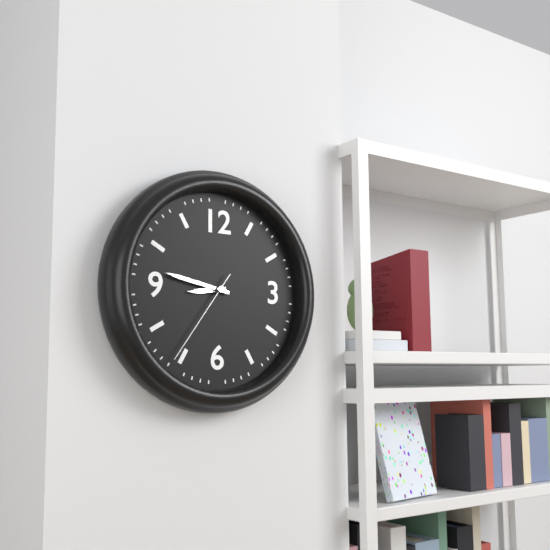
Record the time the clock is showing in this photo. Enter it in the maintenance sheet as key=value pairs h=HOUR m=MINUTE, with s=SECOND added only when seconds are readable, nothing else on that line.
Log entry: h=8 m=47 s=36
